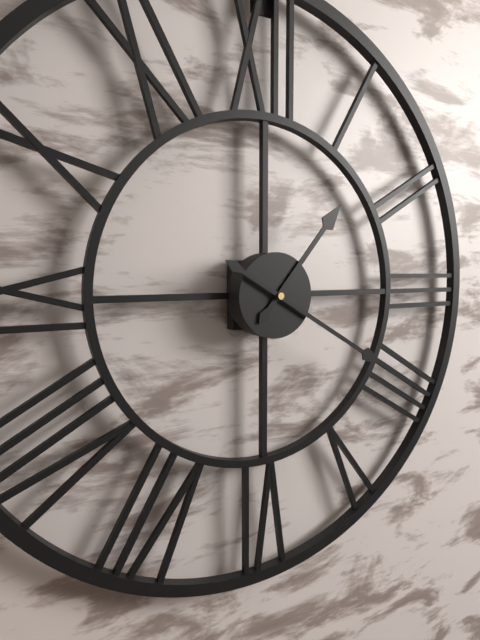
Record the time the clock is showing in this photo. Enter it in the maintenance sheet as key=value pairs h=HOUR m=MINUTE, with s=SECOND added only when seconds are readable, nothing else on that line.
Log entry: h=1 m=20
